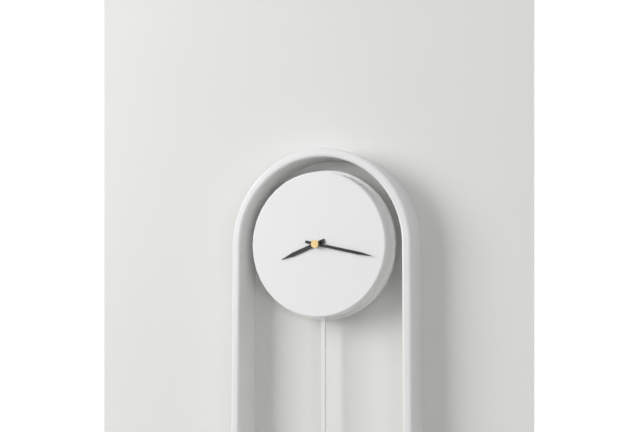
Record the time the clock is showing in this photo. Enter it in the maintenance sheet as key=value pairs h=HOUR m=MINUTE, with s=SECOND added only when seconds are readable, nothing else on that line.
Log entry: h=8 m=17
